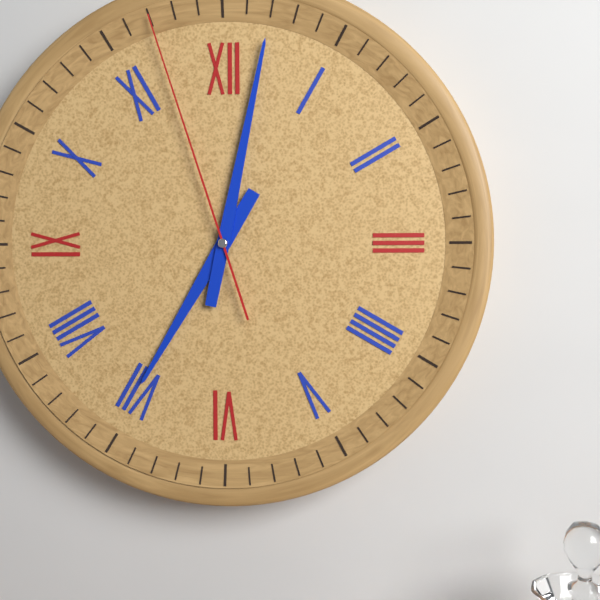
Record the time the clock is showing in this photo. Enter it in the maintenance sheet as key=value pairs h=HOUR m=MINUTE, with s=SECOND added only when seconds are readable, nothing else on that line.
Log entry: h=7 m=2 s=57
